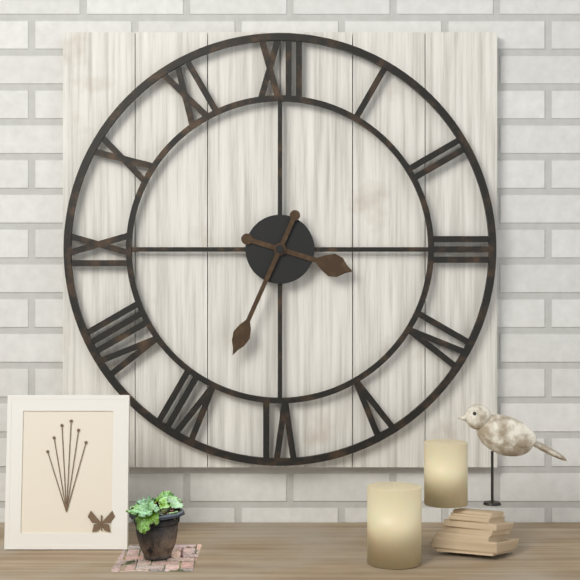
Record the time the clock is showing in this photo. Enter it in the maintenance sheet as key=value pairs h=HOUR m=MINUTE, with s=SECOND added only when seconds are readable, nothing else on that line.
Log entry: h=3 m=34
